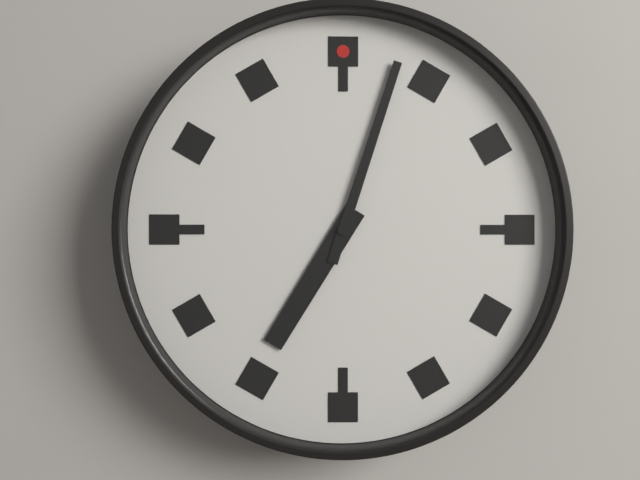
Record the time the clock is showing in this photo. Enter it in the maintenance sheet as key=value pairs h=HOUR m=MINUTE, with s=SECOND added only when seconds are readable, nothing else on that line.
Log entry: h=7 m=3
